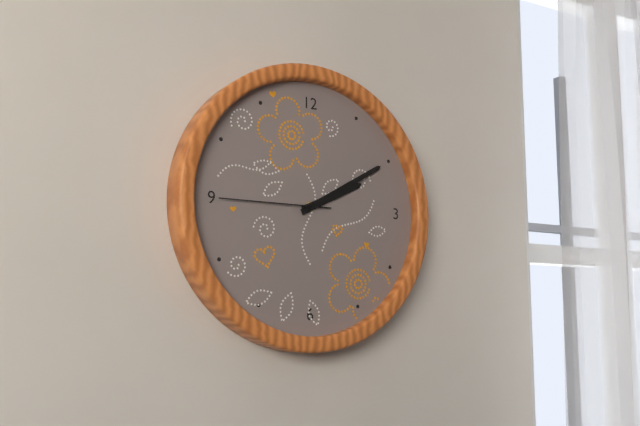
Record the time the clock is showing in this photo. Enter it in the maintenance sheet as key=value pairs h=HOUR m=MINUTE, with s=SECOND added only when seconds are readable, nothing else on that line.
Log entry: h=2 m=10 s=45
